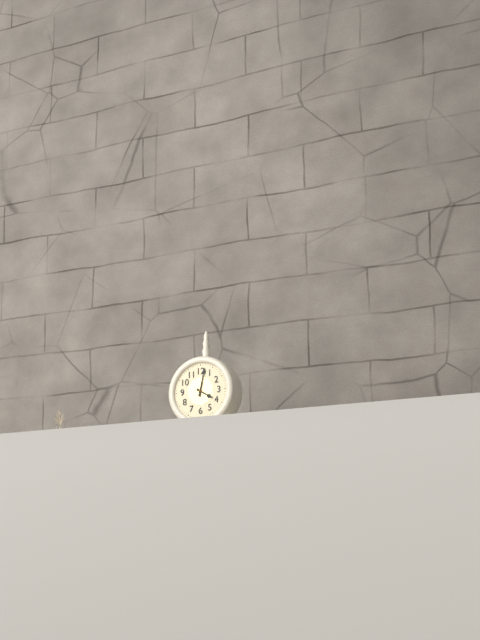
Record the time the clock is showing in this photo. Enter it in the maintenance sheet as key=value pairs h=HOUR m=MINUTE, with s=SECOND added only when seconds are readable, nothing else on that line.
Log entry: h=4 m=2
